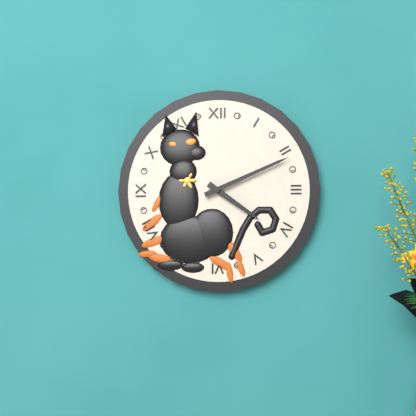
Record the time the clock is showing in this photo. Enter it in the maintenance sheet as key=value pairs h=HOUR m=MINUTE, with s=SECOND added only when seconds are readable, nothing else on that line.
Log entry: h=4 m=11
